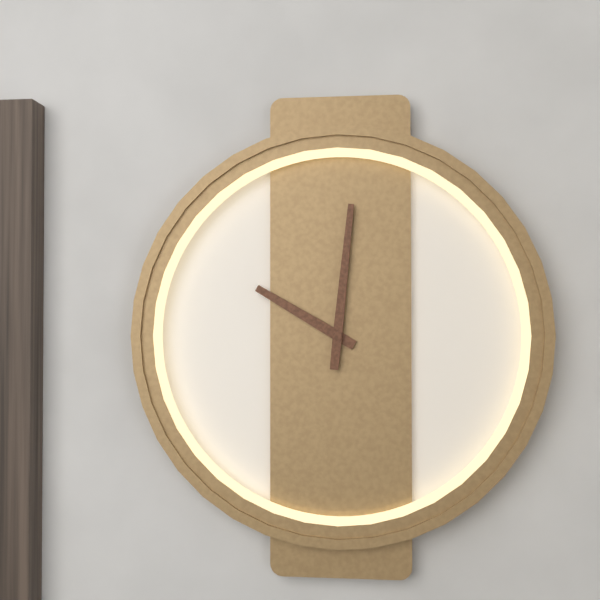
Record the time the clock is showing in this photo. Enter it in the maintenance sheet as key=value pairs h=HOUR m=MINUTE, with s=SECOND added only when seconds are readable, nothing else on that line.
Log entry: h=10 m=1
